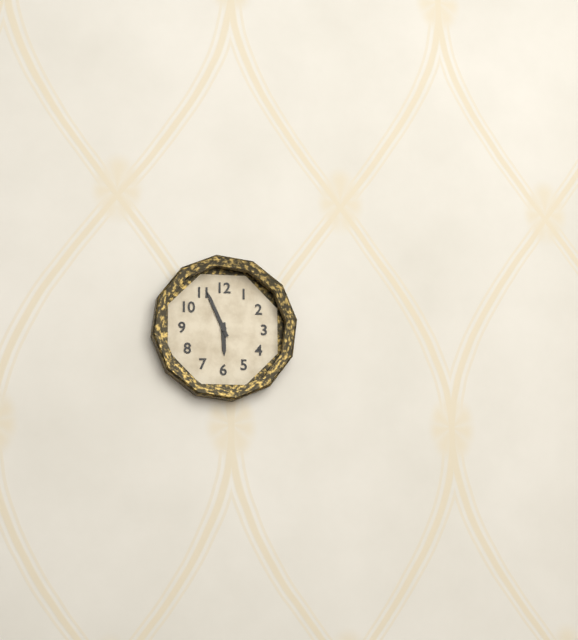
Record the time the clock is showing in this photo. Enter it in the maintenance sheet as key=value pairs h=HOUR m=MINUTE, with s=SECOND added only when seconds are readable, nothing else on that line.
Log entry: h=5 m=56
